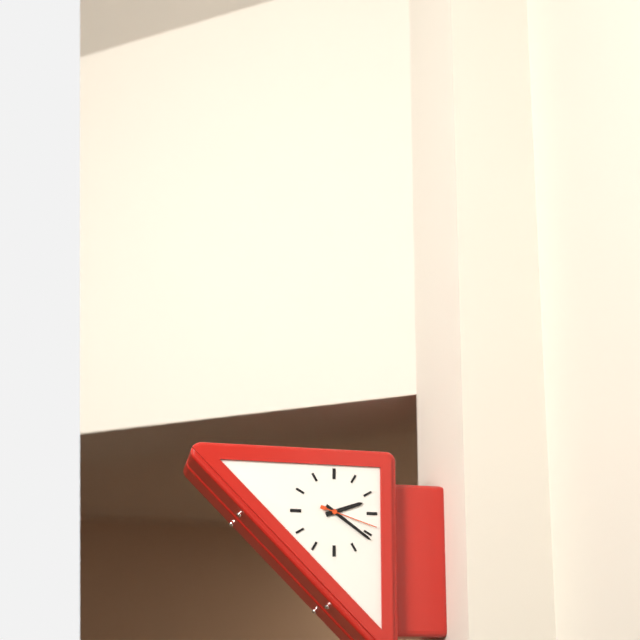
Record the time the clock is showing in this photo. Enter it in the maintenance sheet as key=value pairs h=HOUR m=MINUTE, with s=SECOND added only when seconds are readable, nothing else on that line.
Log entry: h=2 m=21 s=18
